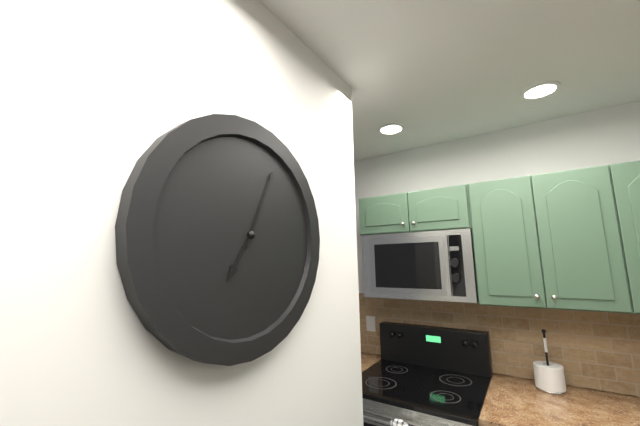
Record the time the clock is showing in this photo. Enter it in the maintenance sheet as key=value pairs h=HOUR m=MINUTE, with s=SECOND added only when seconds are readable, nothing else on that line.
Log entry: h=7 m=4
